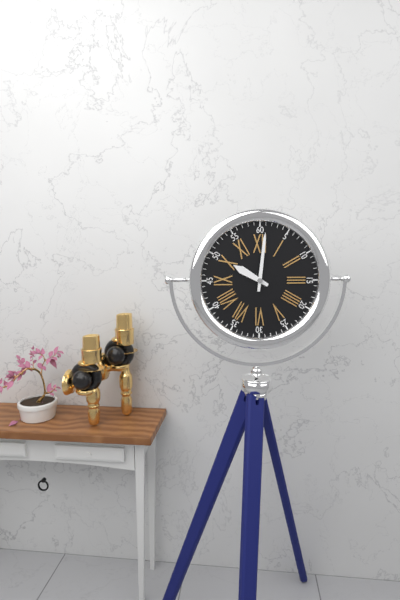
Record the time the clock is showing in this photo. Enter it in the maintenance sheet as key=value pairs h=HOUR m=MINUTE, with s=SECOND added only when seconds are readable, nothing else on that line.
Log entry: h=10 m=1
